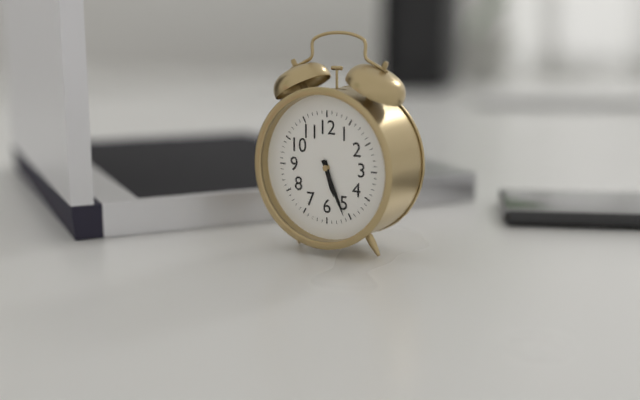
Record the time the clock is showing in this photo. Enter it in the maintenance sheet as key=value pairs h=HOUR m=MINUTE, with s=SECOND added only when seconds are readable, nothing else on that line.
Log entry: h=5 m=26
